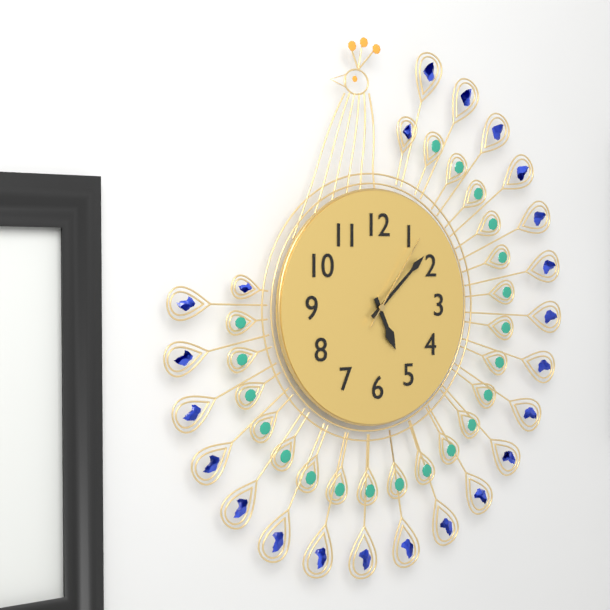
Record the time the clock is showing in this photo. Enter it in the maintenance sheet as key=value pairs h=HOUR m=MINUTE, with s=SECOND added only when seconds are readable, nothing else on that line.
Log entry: h=5 m=8 s=6
